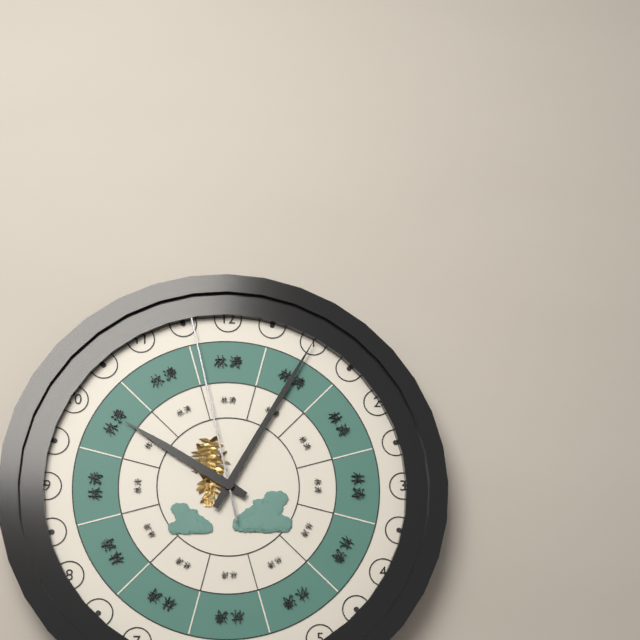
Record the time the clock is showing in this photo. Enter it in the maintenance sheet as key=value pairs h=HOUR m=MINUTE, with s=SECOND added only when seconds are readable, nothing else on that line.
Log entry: h=10 m=5 s=58
